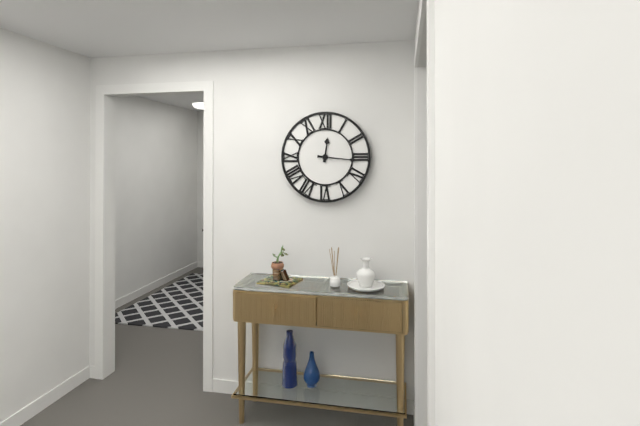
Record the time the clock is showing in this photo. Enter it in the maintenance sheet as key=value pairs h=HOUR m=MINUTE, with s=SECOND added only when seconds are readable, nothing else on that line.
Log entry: h=12 m=16
